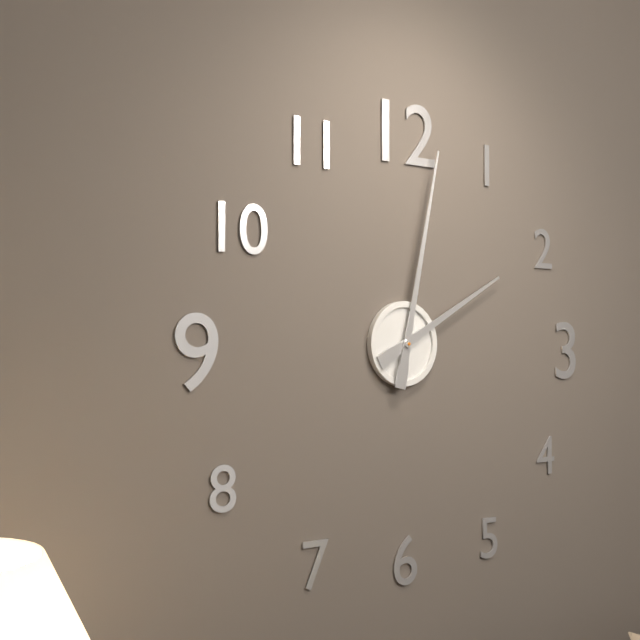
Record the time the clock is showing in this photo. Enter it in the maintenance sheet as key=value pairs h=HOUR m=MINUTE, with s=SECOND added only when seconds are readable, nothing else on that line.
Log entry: h=2 m=2
